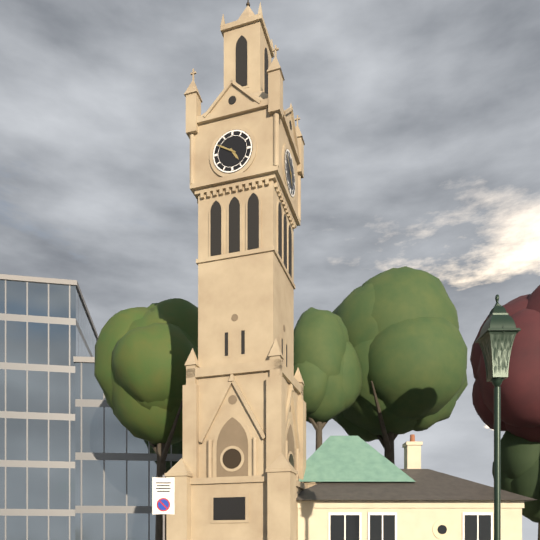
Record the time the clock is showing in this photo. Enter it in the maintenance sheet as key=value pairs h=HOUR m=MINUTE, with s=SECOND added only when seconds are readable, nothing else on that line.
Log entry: h=4 m=50
